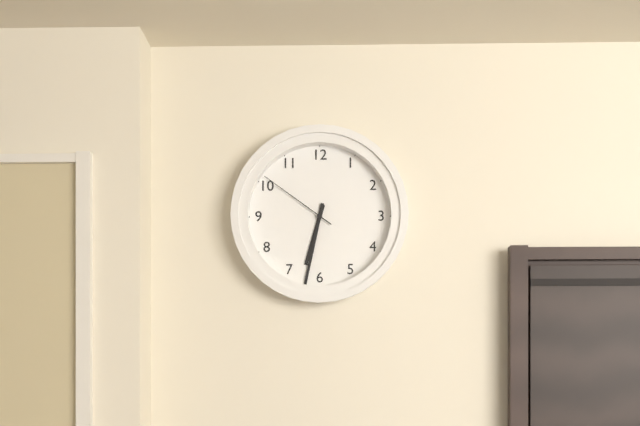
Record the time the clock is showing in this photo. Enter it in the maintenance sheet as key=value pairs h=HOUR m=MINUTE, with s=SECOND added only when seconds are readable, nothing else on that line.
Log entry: h=6 m=32 s=51
